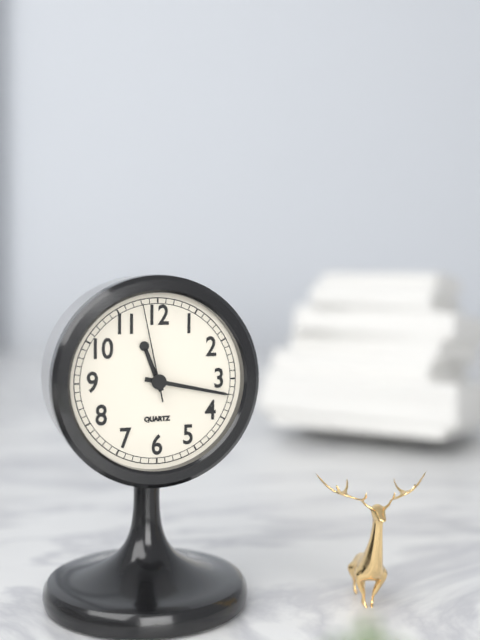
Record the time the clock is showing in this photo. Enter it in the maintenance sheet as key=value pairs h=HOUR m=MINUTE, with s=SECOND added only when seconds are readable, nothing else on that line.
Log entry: h=11 m=17 s=58
